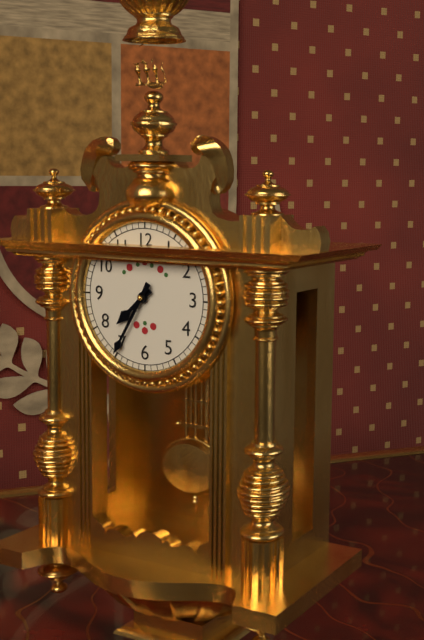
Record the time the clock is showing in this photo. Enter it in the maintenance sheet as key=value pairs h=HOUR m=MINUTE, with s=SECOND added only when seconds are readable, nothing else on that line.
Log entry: h=7 m=35
